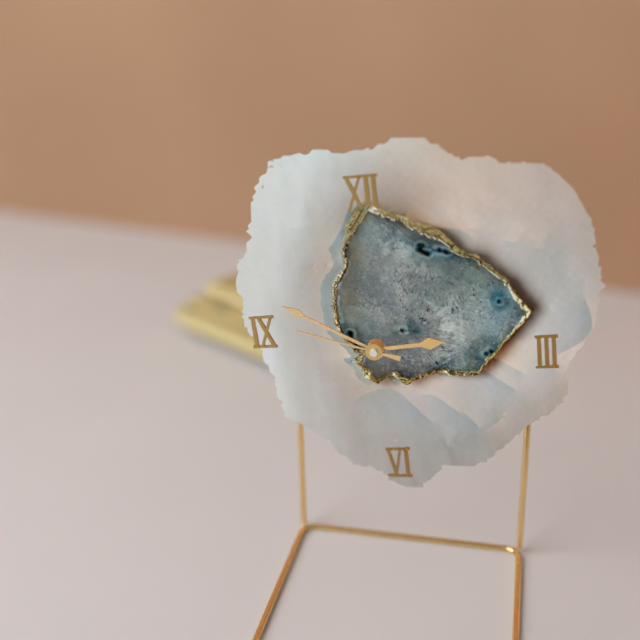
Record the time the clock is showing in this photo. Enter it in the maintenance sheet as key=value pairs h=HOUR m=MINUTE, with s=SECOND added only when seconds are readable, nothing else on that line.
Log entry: h=2 m=50 s=48
